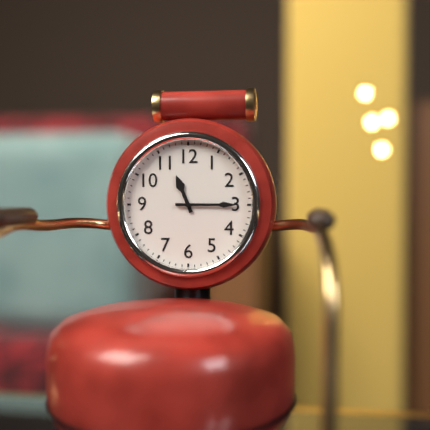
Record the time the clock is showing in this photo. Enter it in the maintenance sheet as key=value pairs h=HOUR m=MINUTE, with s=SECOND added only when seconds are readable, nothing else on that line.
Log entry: h=11 m=15
